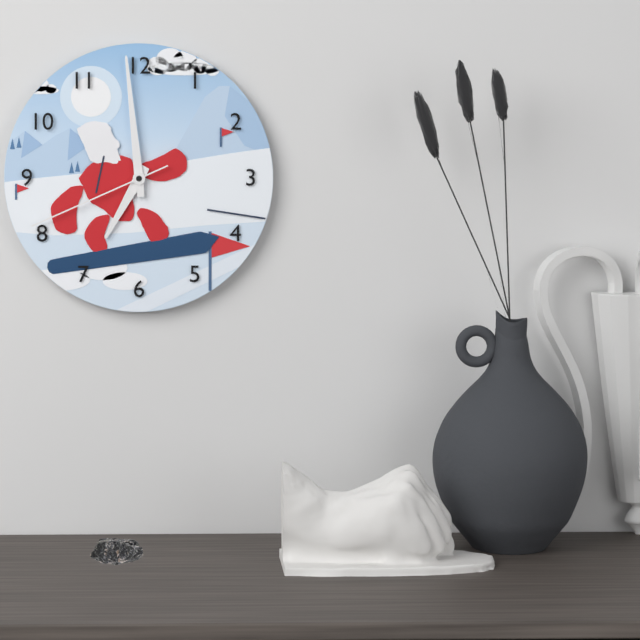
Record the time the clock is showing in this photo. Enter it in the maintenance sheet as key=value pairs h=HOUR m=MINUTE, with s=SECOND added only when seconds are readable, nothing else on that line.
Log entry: h=6 m=59 s=41
